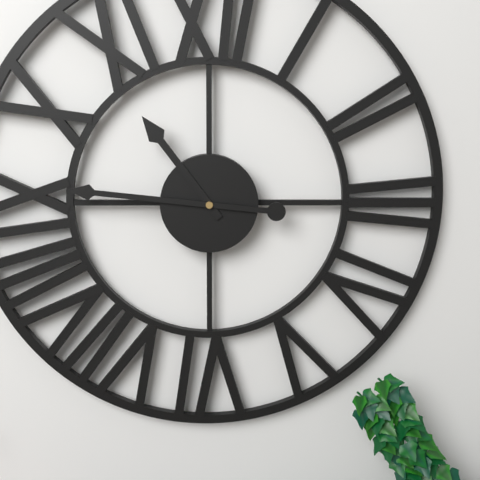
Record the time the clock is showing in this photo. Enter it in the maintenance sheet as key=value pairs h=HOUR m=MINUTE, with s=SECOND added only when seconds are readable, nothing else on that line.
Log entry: h=10 m=46
